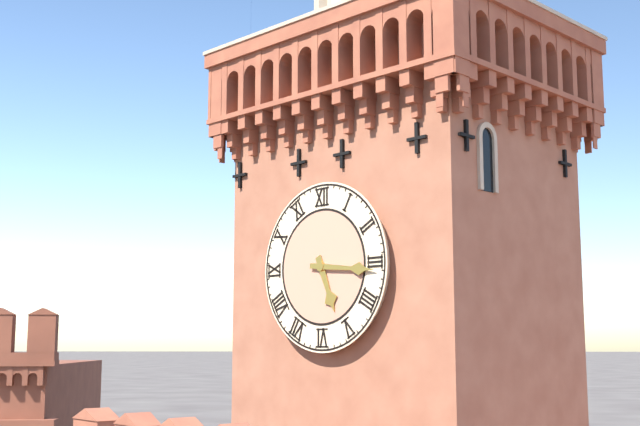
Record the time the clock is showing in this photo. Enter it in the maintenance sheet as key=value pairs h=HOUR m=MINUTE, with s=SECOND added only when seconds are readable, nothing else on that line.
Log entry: h=5 m=16
